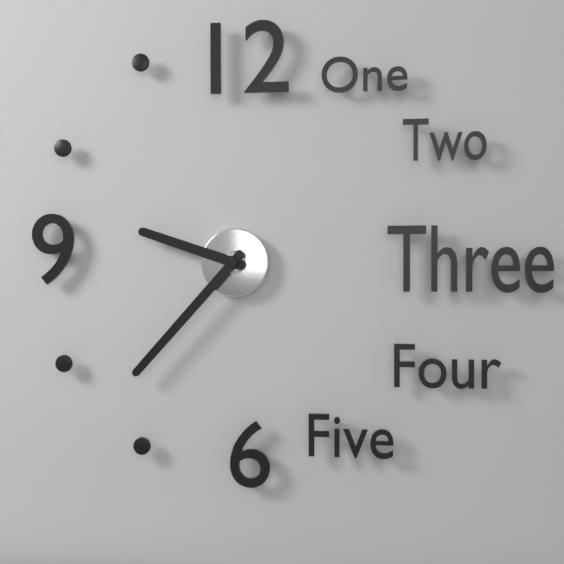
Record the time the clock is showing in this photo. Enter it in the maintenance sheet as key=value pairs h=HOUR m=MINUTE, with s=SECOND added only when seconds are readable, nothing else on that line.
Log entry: h=9 m=37
